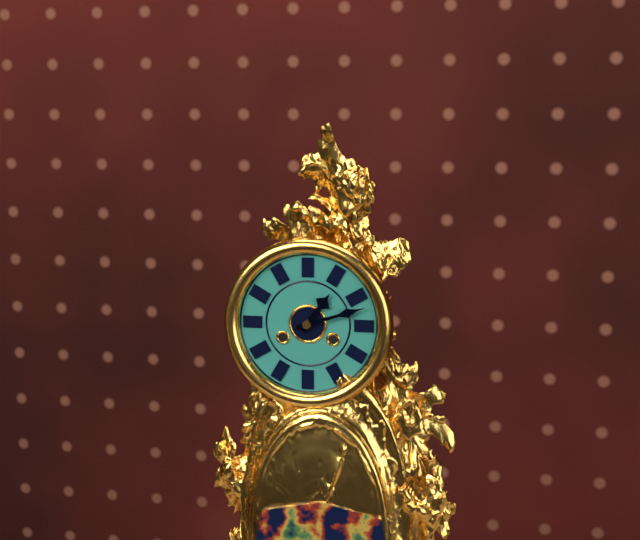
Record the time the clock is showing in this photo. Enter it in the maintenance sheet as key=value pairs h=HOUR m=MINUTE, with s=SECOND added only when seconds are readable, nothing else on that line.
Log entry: h=1 m=12
